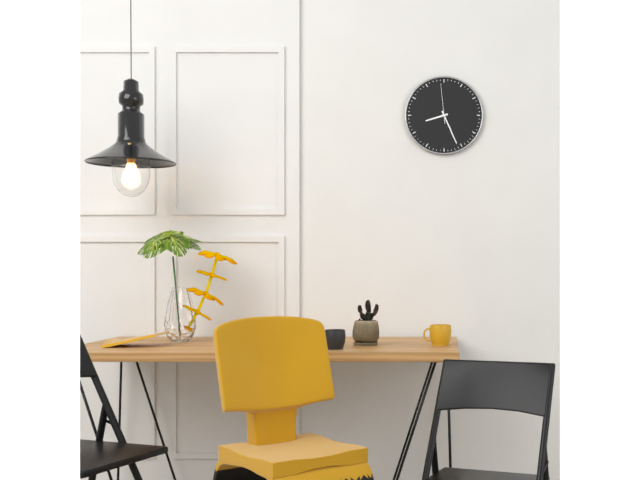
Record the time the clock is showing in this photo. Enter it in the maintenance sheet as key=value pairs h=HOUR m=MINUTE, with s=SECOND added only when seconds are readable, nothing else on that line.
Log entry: h=8 m=26
